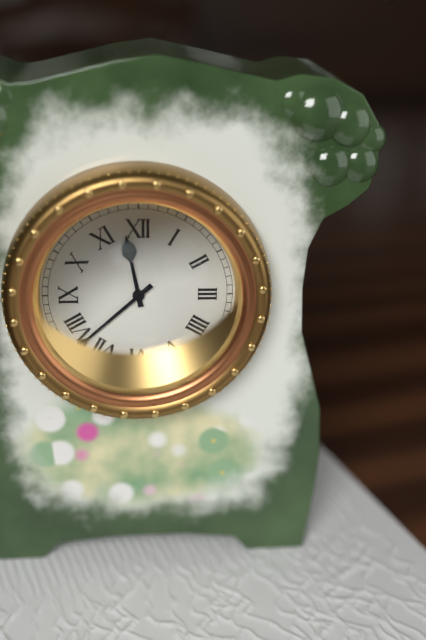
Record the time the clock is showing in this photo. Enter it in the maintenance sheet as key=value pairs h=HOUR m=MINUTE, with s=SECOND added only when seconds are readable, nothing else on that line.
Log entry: h=11 m=38
